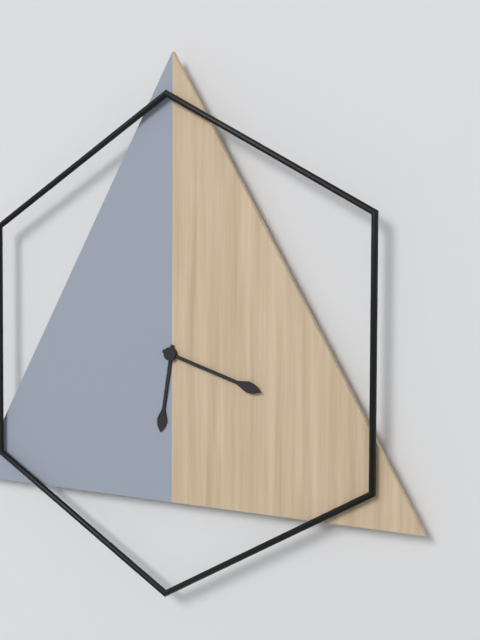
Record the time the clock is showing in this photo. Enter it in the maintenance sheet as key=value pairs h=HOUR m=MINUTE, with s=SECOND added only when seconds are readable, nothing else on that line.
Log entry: h=6 m=18
